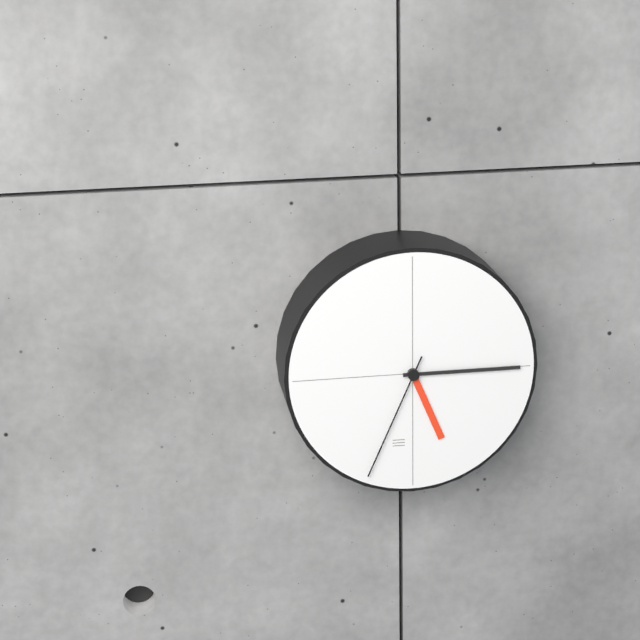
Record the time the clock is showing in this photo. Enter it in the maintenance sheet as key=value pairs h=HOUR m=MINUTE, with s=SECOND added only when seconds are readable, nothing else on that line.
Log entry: h=5 m=15 s=34
